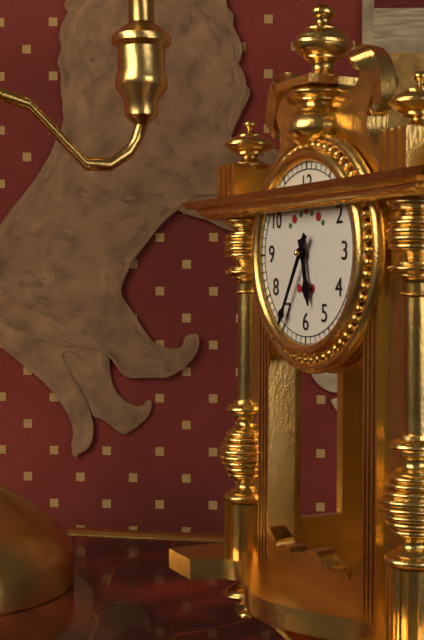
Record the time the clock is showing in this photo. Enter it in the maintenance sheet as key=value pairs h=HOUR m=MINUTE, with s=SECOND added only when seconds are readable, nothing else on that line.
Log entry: h=5 m=35
